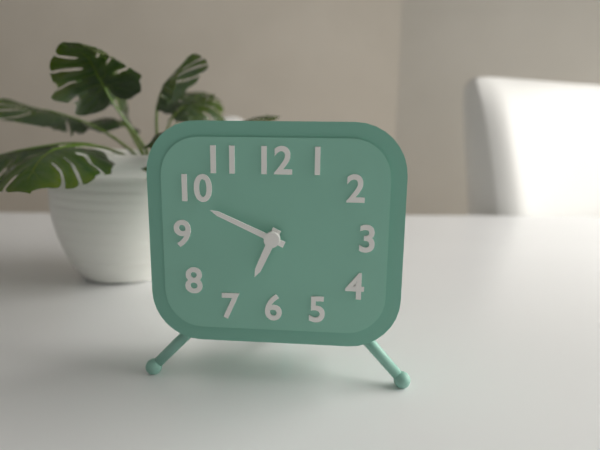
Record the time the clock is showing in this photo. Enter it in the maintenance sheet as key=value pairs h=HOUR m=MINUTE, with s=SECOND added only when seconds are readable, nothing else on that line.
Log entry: h=6 m=49
